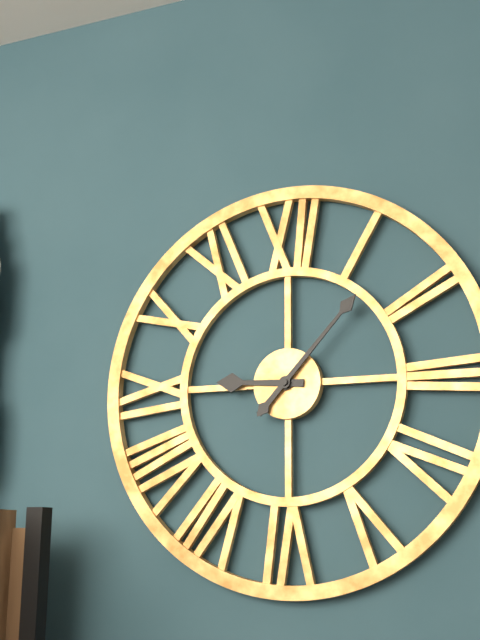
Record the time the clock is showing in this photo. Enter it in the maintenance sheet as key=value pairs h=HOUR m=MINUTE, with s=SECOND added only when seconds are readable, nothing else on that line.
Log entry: h=9 m=7
